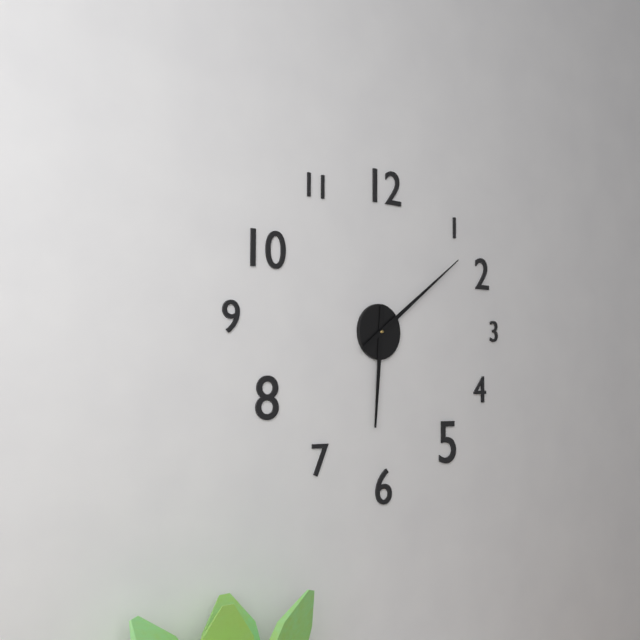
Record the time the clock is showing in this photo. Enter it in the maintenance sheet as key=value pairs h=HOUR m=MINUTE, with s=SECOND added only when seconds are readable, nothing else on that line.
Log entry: h=6 m=9
